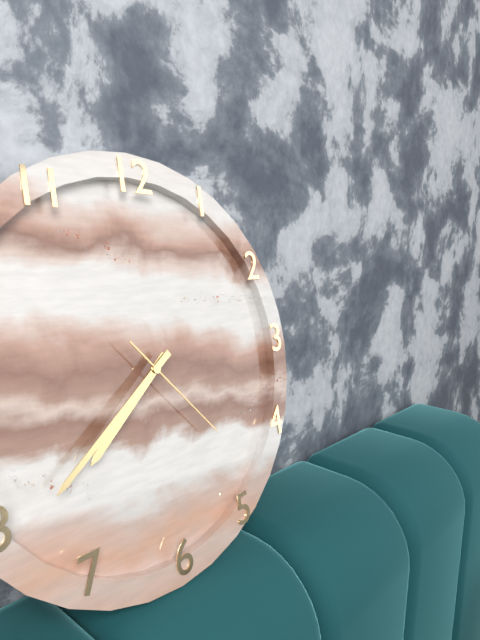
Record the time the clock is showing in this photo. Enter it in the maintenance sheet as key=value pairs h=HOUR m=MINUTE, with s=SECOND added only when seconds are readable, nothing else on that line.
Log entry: h=7 m=39 s=23
